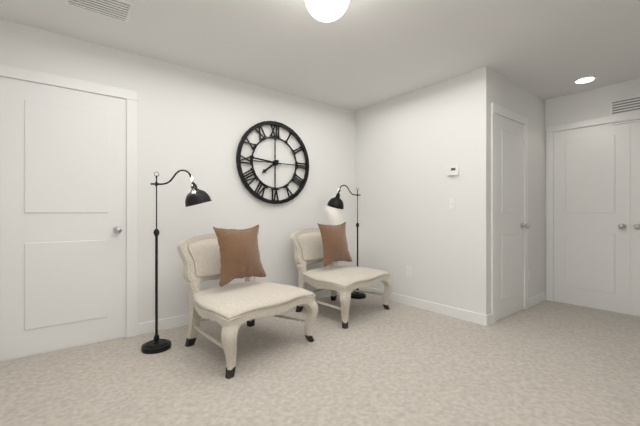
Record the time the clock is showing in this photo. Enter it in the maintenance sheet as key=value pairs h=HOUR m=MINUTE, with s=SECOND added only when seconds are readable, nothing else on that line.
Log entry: h=7 m=46
